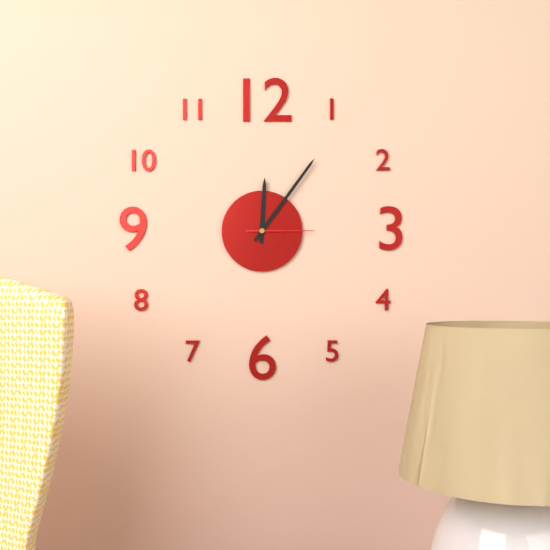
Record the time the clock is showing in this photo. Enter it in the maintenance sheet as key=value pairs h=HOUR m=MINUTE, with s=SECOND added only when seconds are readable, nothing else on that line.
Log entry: h=12 m=6 s=15
